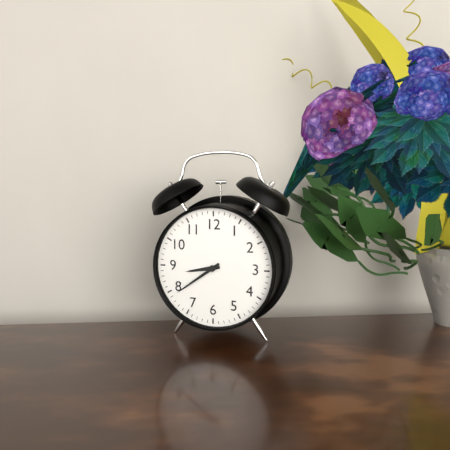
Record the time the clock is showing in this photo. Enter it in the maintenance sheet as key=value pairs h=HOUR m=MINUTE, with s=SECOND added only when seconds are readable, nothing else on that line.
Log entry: h=8 m=39
